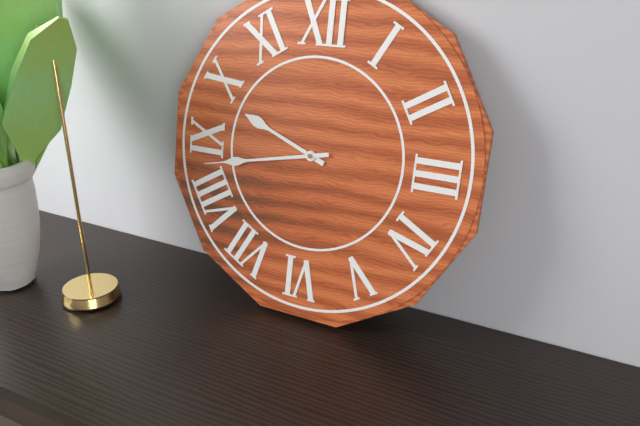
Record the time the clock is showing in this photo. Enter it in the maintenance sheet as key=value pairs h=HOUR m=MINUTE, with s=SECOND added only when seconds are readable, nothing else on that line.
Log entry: h=9 m=43
